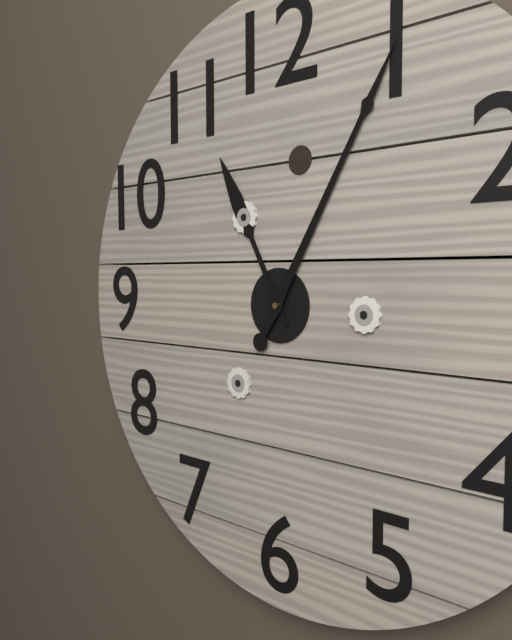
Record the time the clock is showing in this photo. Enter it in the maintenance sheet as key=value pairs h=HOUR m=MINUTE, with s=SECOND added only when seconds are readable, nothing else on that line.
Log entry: h=11 m=5
